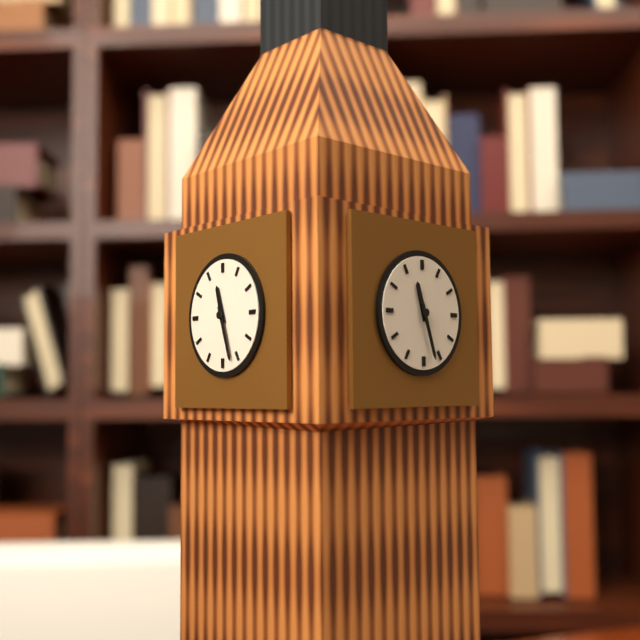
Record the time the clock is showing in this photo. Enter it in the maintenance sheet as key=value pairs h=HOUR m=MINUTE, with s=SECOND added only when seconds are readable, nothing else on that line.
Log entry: h=11 m=27
